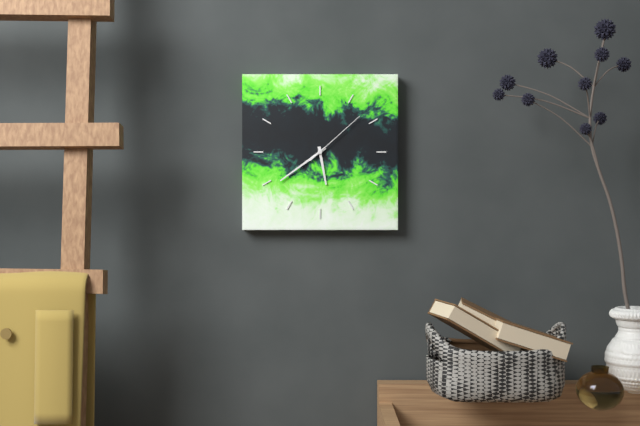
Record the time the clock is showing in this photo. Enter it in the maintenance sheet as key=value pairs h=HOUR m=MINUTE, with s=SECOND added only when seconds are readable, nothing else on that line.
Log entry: h=5 m=39 s=8
